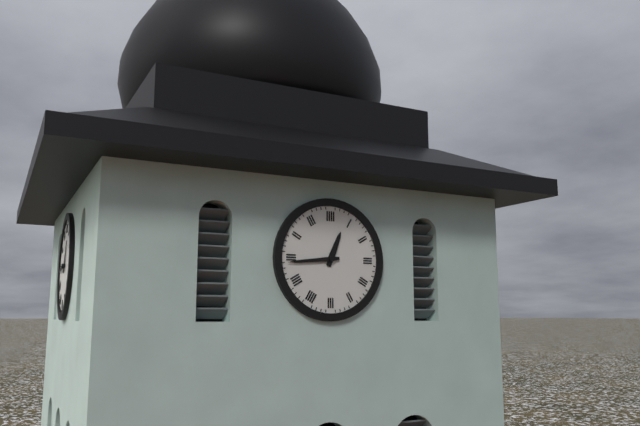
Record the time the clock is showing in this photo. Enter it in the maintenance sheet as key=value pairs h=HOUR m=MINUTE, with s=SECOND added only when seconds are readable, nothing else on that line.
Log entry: h=12 m=44
